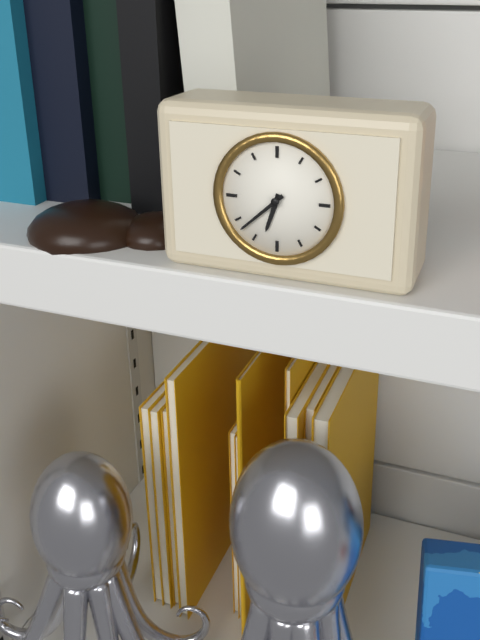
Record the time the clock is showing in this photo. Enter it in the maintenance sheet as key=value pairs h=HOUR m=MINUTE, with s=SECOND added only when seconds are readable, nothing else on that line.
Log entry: h=6 m=38
